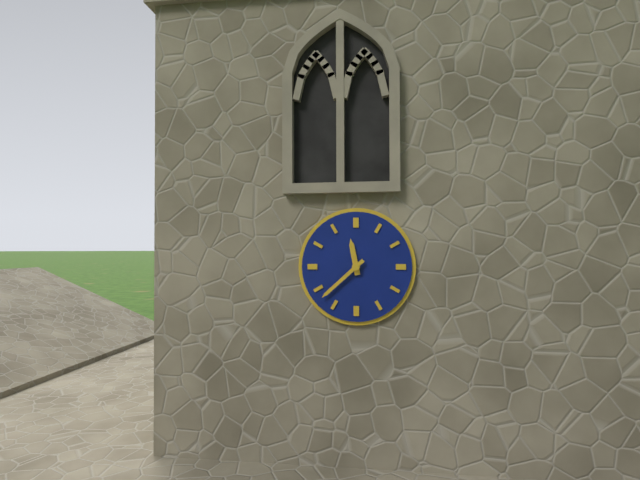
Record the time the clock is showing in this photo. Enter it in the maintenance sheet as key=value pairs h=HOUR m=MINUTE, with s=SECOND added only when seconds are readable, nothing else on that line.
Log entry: h=11 m=38
